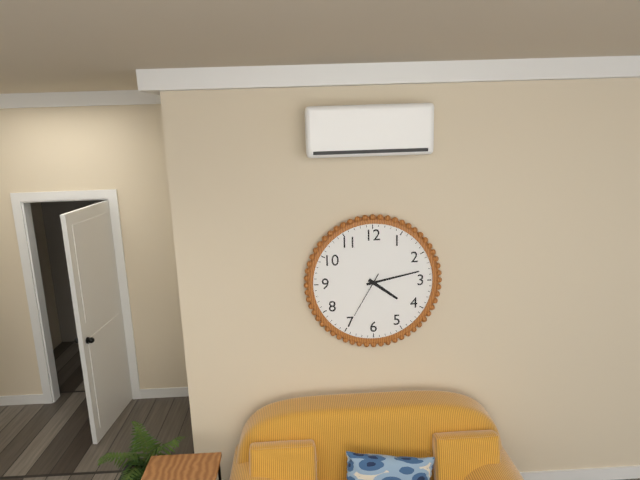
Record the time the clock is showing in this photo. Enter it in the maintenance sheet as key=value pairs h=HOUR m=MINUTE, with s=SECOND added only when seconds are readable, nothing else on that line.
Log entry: h=4 m=13
